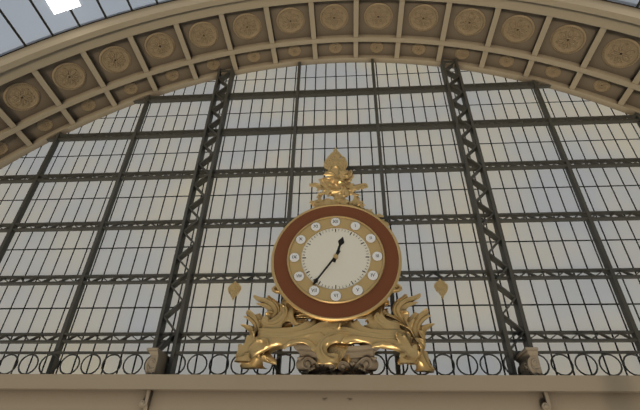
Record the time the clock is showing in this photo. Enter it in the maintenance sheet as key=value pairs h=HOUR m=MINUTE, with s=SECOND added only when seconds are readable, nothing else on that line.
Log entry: h=12 m=36
